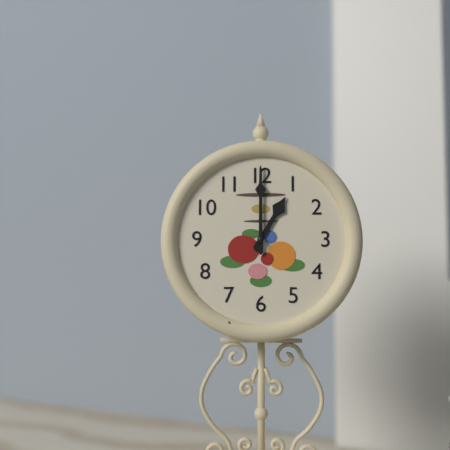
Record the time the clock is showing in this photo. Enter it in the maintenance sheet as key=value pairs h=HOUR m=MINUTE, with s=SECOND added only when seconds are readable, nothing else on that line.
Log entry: h=1 m=0
